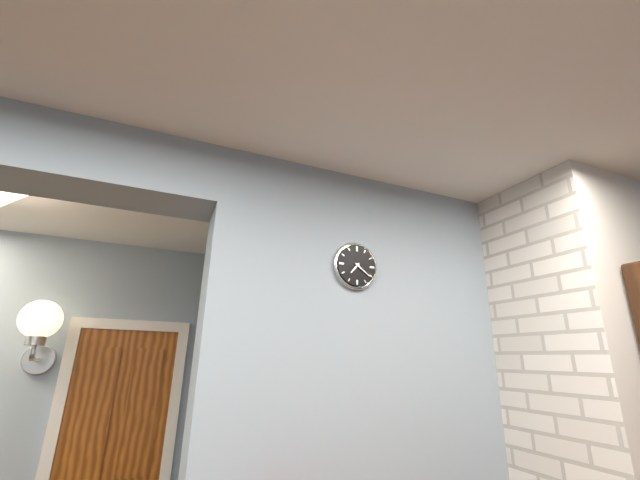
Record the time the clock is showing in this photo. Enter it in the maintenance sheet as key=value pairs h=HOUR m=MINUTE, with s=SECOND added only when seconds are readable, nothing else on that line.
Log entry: h=7 m=21
